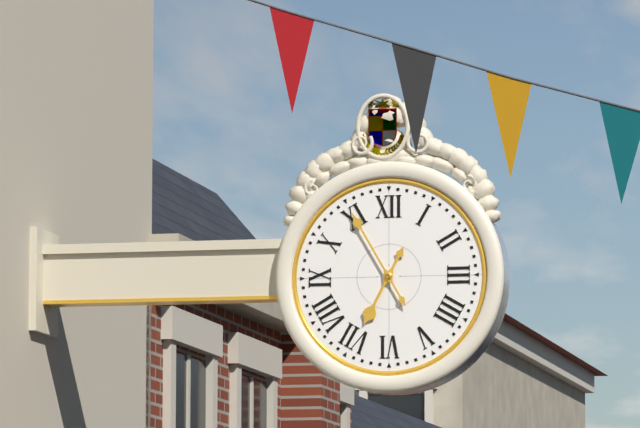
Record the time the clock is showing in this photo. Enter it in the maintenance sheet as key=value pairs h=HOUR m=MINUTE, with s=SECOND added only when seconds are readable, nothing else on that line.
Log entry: h=6 m=55
